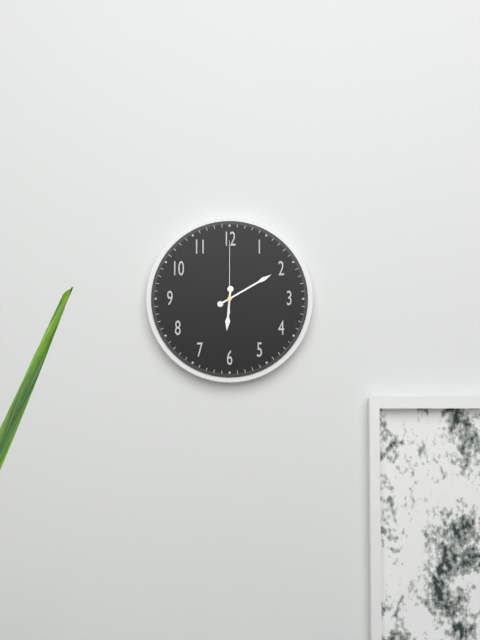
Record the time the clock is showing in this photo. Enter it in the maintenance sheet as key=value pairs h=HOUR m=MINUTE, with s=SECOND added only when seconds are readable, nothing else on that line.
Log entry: h=6 m=10 s=0
